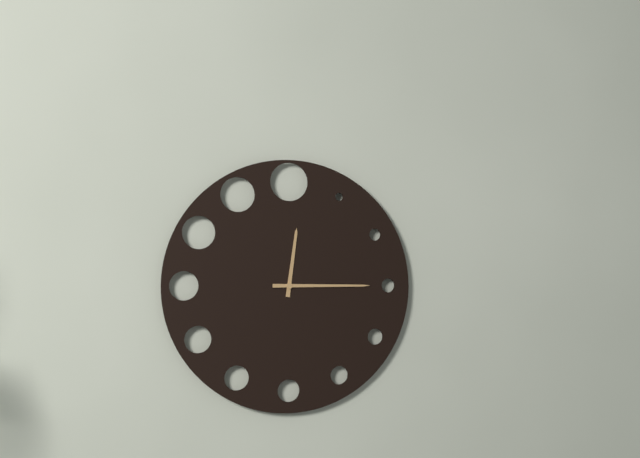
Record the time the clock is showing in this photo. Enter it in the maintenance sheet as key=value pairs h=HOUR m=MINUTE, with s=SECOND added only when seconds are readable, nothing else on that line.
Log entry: h=12 m=15
